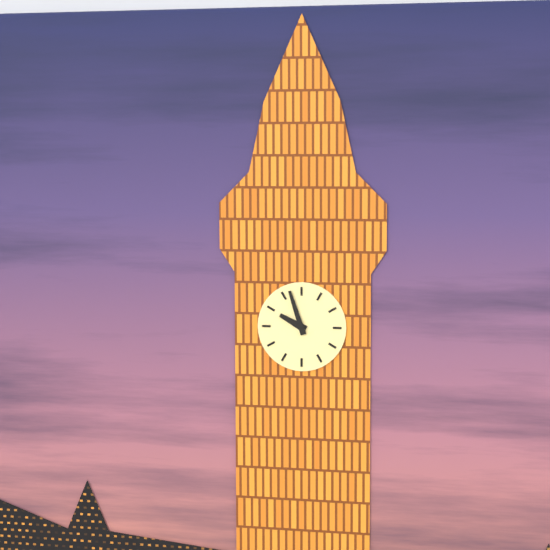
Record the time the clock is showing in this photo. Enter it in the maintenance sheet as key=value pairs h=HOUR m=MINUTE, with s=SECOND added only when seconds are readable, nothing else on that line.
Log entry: h=9 m=57
